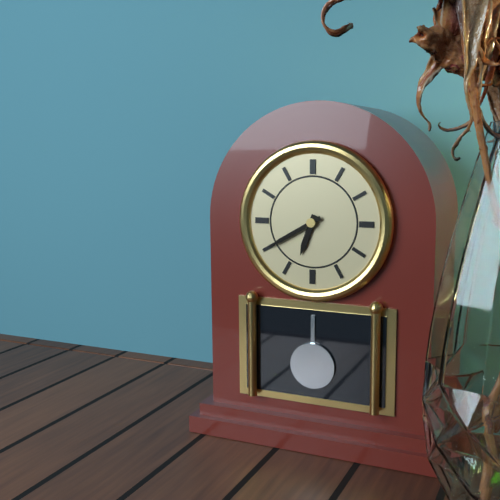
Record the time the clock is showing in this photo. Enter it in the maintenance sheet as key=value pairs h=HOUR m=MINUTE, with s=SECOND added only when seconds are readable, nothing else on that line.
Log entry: h=6 m=40
